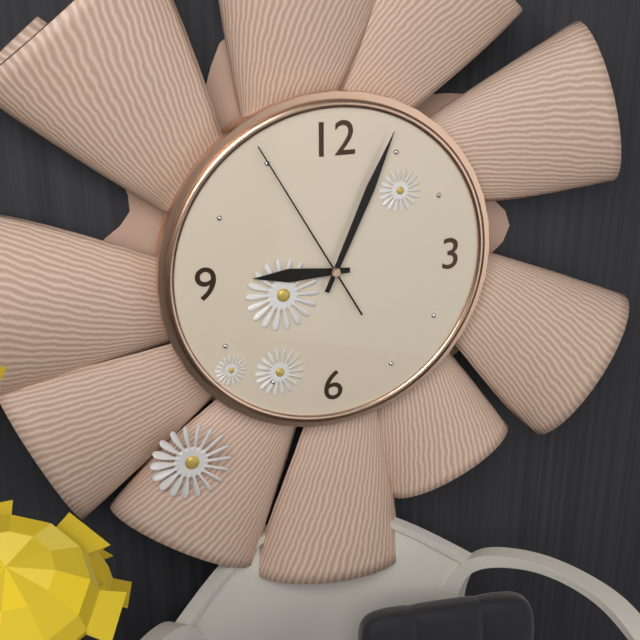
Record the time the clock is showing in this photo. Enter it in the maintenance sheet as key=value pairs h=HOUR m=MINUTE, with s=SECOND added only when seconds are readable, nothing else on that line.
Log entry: h=9 m=4 s=55
